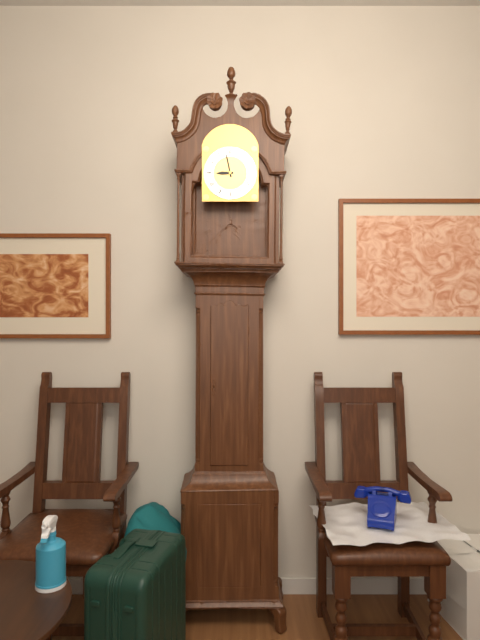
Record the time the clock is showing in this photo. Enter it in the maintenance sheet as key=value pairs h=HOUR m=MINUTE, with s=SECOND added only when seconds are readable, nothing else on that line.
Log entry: h=8 m=58
